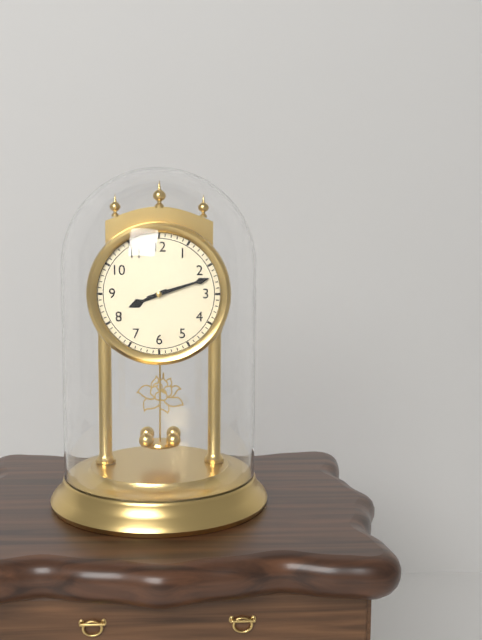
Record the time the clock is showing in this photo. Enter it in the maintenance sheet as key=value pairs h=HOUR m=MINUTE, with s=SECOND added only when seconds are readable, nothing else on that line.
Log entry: h=8 m=12
